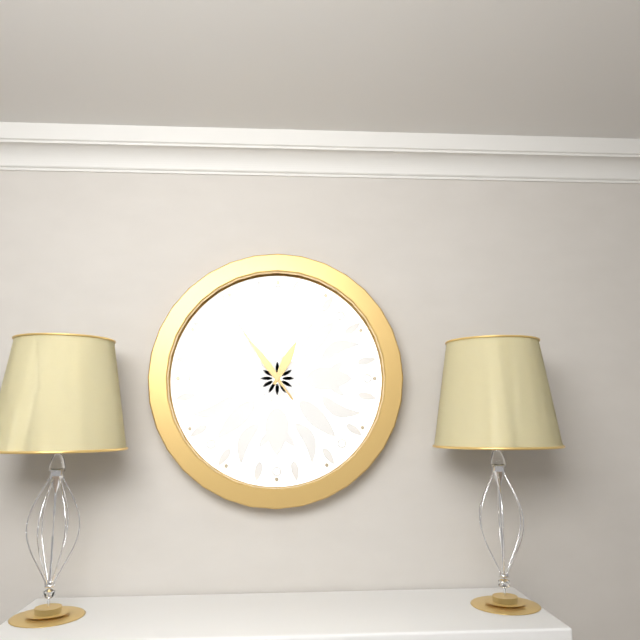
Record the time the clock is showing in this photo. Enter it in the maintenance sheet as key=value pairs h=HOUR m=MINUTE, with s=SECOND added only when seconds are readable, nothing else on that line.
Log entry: h=12 m=54
